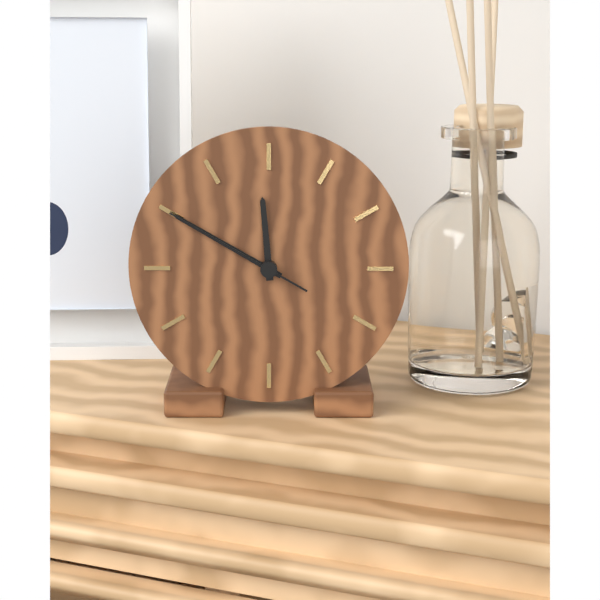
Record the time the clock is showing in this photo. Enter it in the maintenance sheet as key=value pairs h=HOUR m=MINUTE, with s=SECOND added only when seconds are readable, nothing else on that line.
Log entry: h=11 m=50 s=50
